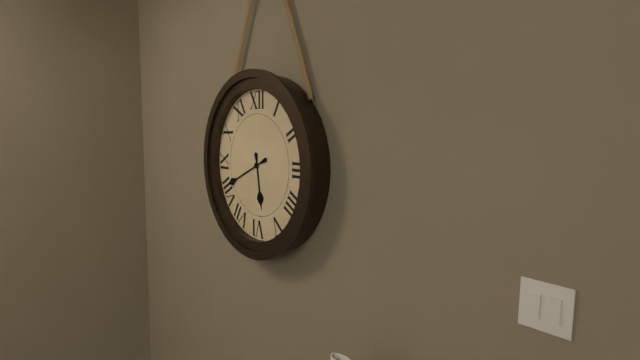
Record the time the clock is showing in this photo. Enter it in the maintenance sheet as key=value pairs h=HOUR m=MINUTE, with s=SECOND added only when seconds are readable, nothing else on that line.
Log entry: h=5 m=41
